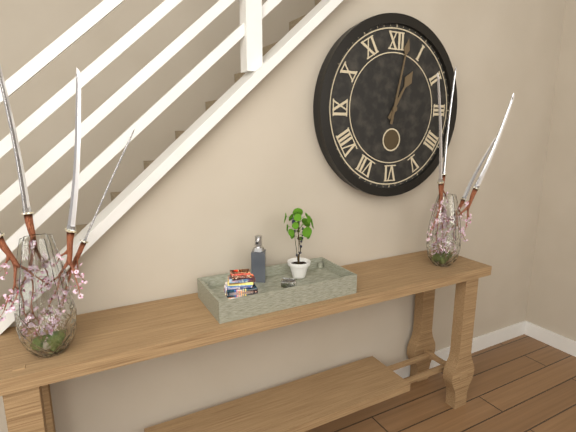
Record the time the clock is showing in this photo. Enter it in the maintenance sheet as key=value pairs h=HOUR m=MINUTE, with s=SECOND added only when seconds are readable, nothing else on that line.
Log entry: h=1 m=2
